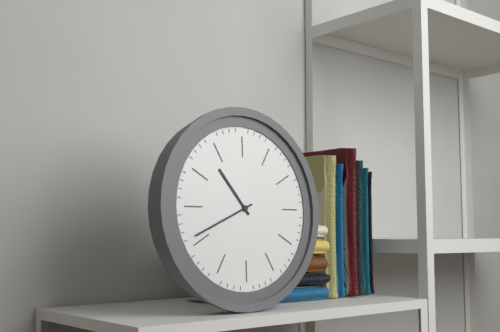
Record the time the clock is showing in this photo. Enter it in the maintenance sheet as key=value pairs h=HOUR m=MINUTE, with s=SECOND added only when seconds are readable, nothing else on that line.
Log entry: h=10 m=41
